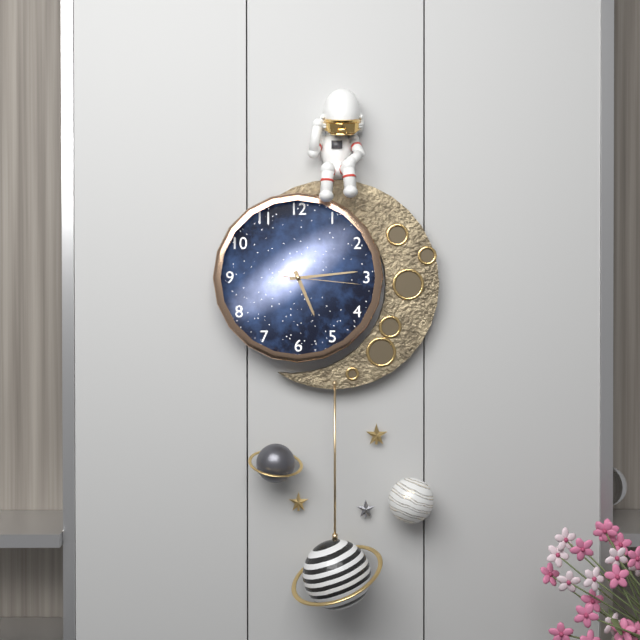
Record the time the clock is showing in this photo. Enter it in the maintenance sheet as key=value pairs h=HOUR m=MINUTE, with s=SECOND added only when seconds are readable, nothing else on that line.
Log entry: h=5 m=14 s=16
